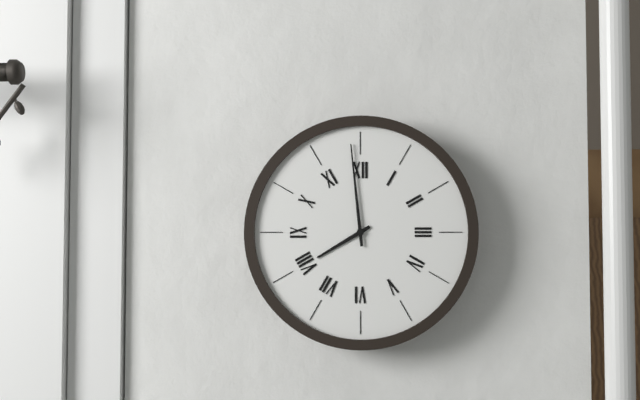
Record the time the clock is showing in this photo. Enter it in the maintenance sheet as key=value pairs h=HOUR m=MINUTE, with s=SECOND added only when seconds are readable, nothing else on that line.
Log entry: h=7 m=59
